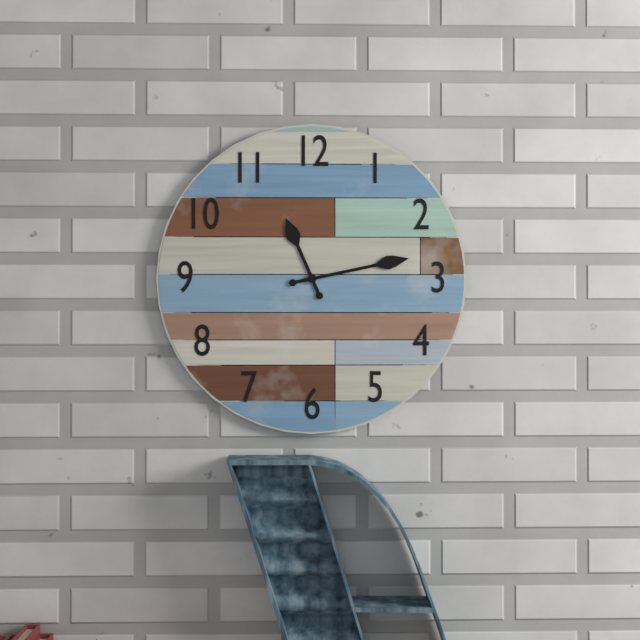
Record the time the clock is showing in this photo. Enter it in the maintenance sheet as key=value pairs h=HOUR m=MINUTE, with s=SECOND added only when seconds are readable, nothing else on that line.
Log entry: h=11 m=13
